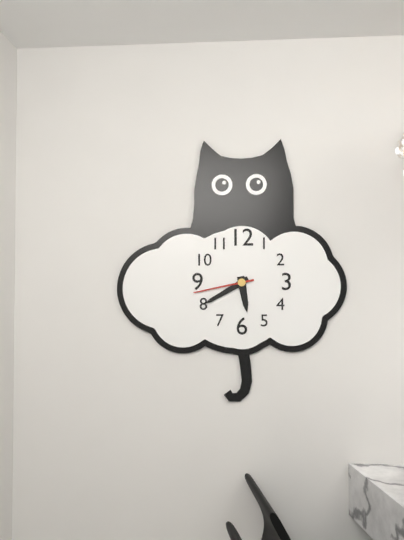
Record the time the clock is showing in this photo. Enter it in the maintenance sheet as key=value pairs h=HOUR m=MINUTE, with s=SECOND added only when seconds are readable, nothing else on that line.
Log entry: h=5 m=40 s=43
